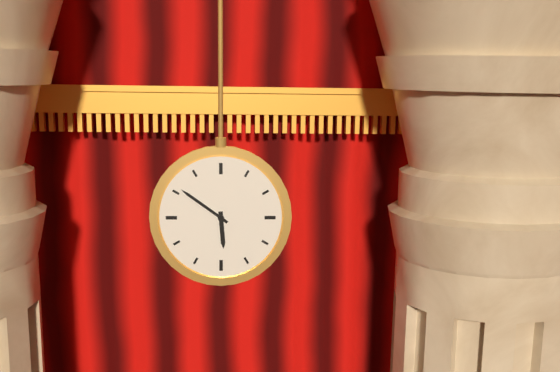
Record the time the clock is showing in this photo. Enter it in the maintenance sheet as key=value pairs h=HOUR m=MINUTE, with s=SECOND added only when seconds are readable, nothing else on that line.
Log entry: h=5 m=51
